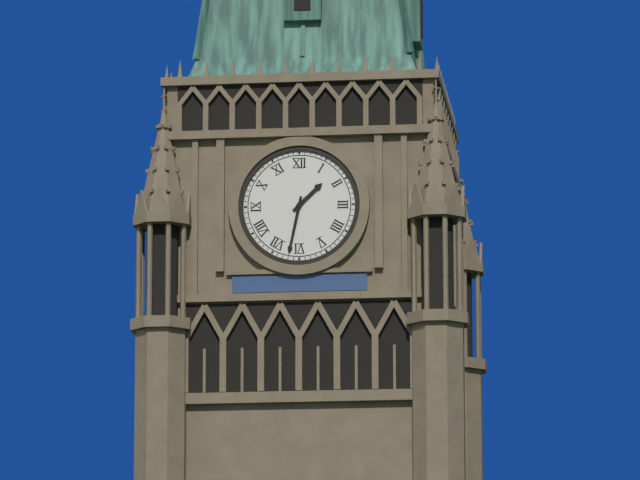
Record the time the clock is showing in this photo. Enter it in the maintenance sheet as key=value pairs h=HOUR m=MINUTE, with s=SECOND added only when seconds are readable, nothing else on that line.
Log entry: h=1 m=32
